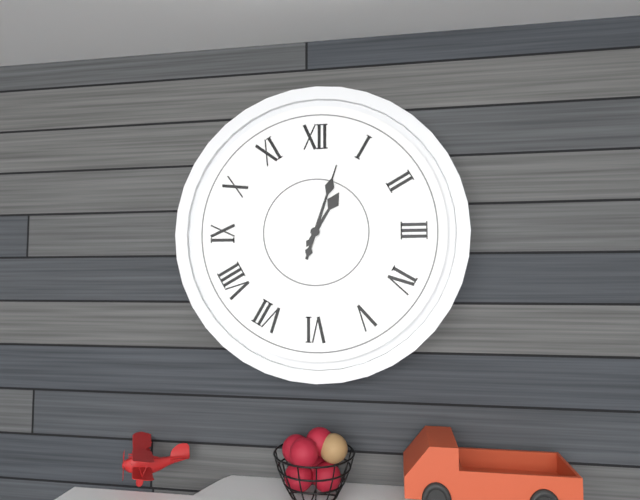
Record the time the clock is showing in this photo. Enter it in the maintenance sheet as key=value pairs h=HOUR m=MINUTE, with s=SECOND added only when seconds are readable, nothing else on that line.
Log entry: h=1 m=3
